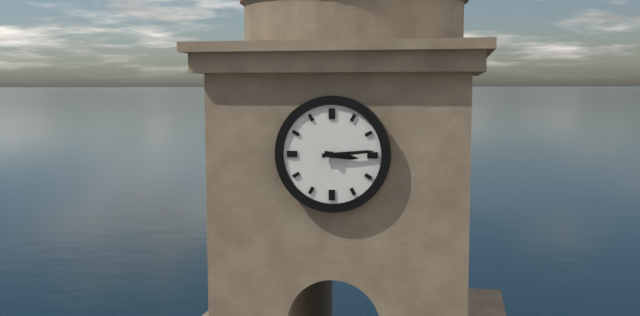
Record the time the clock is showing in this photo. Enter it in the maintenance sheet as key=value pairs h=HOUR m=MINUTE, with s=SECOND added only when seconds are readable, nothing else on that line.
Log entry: h=3 m=14
